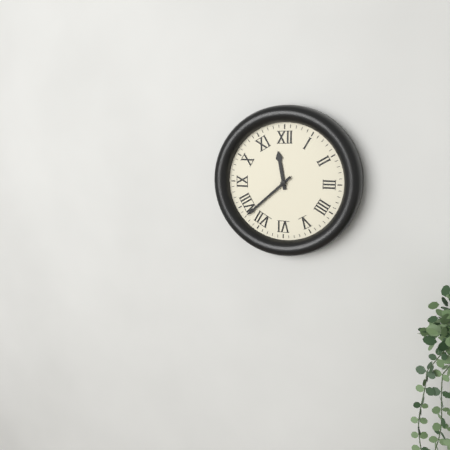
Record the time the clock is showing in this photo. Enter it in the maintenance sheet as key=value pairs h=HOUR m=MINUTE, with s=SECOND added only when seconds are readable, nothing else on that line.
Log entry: h=11 m=38
